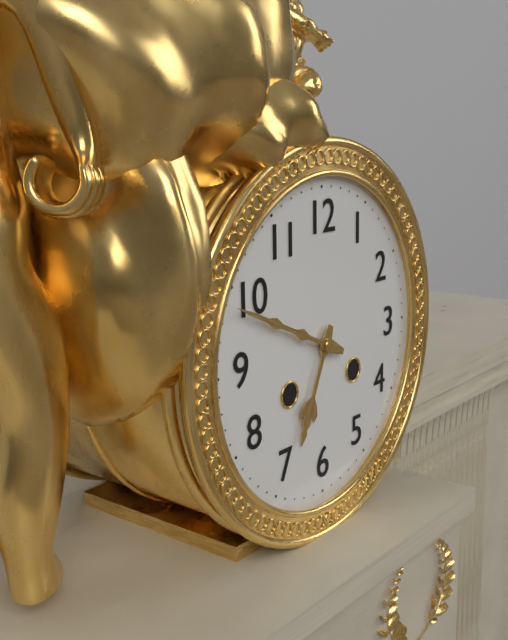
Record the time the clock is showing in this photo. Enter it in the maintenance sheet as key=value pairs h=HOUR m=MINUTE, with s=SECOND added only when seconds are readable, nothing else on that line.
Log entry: h=6 m=49
